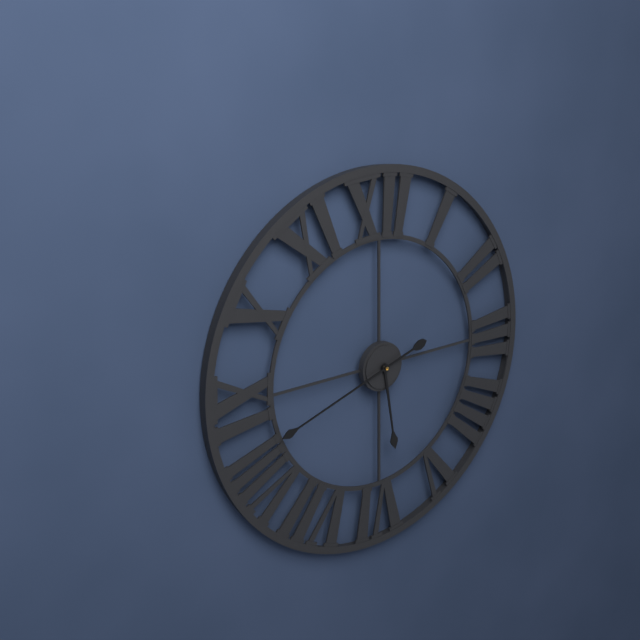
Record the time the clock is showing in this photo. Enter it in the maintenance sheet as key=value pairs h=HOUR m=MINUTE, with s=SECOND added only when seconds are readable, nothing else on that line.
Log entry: h=5 m=42
